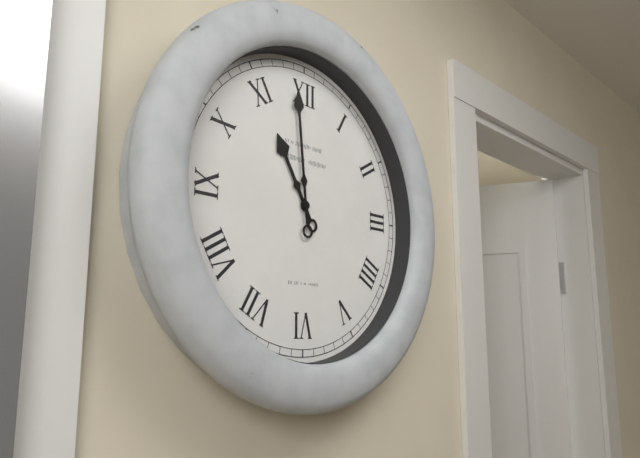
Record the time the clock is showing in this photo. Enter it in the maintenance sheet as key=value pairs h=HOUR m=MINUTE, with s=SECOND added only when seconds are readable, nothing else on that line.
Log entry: h=10 m=59
